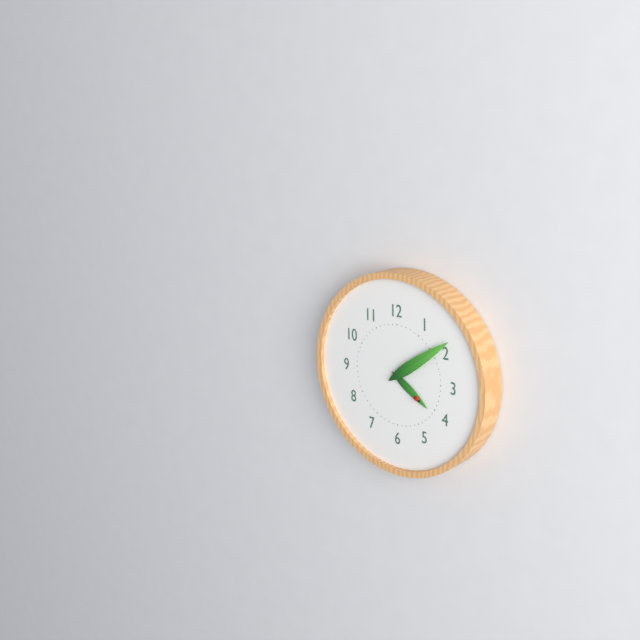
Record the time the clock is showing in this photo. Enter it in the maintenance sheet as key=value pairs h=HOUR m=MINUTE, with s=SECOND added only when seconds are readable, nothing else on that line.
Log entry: h=4 m=9
